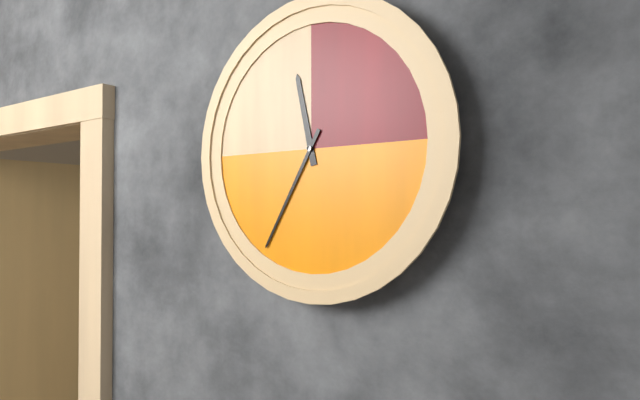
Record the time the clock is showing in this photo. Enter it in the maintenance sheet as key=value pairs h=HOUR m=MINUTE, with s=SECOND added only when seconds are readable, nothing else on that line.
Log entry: h=11 m=35
